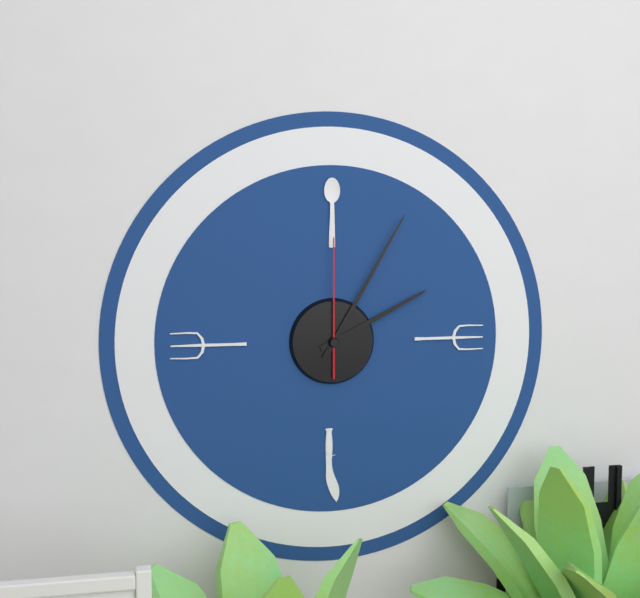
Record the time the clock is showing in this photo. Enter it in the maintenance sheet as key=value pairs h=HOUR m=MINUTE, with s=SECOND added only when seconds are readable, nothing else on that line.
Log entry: h=2 m=5 s=0
